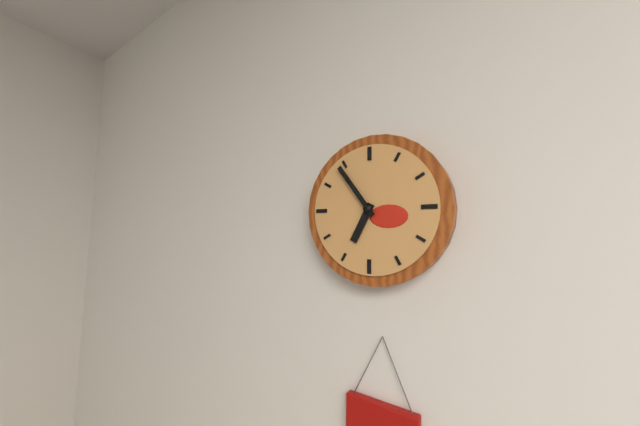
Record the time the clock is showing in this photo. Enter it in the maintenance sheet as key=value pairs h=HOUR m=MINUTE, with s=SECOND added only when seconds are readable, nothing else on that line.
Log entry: h=6 m=54
